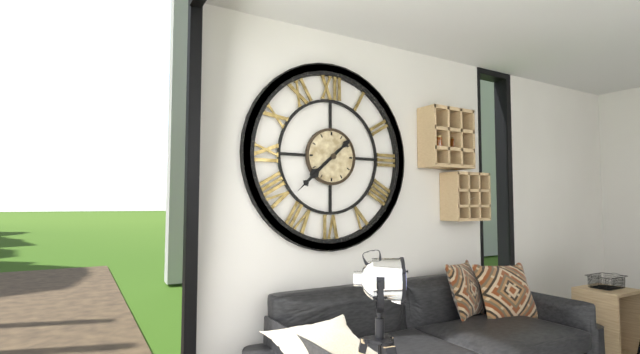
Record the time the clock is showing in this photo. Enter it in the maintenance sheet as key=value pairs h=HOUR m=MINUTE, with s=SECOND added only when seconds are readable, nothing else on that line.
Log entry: h=7 m=38
